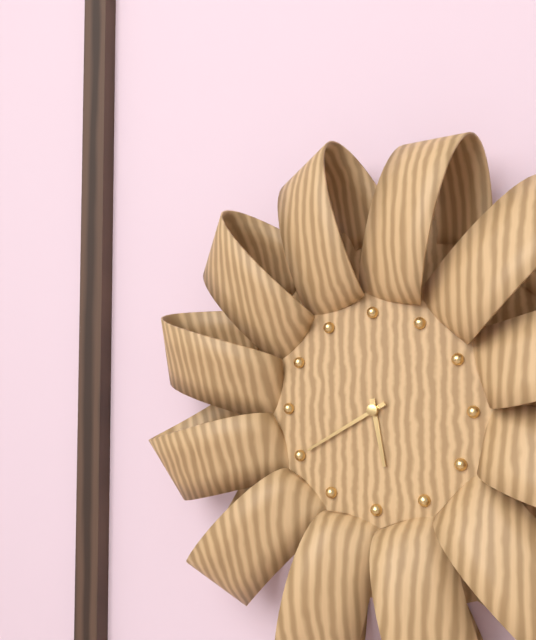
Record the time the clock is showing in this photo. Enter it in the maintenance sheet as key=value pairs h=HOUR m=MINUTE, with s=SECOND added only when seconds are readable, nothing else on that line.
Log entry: h=5 m=40
